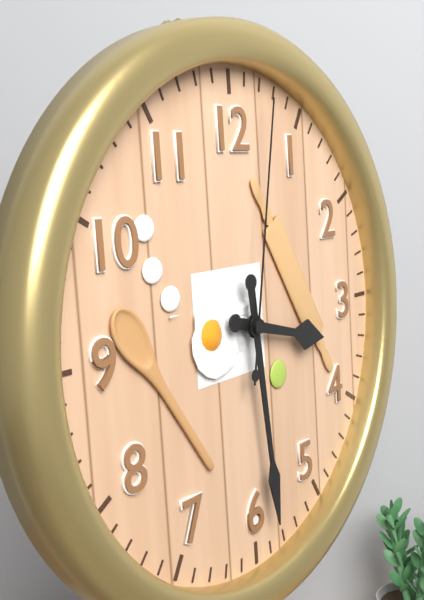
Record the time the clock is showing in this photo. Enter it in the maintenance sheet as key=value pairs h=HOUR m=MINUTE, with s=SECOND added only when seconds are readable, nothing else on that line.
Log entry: h=3 m=29 s=2
